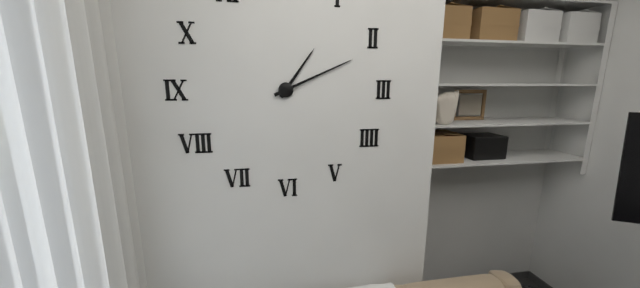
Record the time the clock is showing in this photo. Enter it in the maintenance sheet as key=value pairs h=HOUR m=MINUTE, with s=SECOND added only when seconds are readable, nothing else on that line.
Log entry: h=1 m=11
